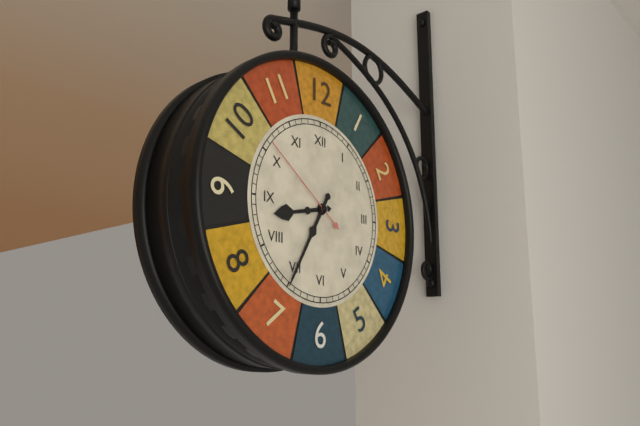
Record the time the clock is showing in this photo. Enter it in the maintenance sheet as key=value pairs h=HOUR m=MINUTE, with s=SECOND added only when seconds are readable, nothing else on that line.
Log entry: h=8 m=35 s=51
